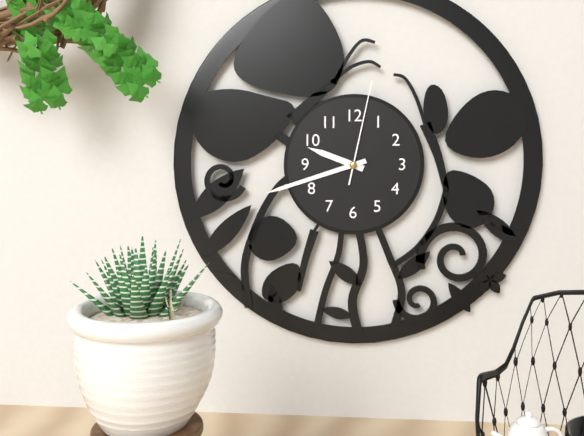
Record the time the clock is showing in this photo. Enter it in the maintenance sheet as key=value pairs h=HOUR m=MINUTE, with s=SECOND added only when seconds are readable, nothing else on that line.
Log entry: h=9 m=42 s=2
